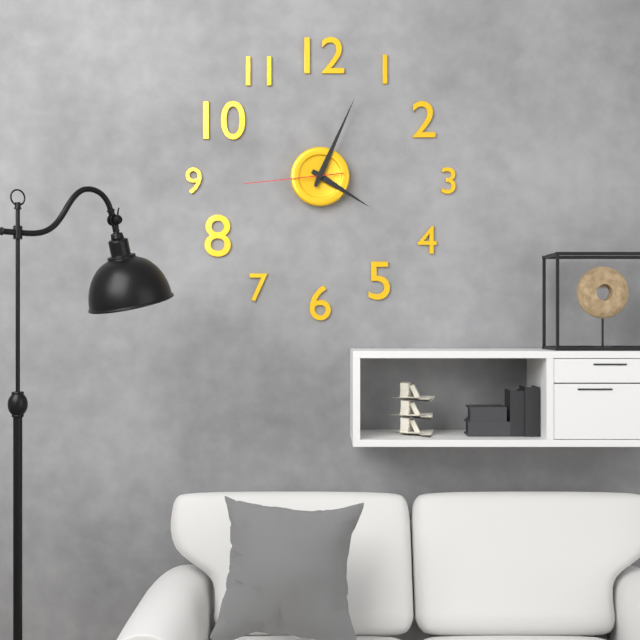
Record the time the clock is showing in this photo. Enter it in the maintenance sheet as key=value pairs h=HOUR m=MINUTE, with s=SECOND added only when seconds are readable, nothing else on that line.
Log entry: h=4 m=4 s=44
